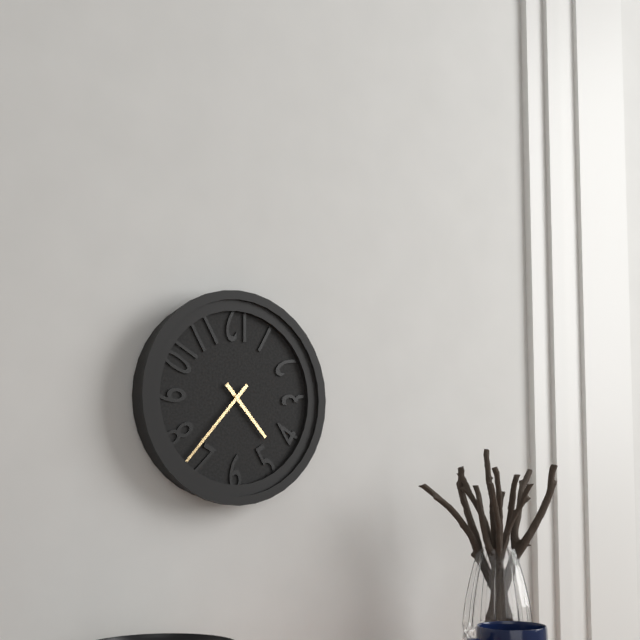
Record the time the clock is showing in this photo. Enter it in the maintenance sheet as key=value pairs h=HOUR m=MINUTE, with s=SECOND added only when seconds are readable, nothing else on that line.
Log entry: h=4 m=37
